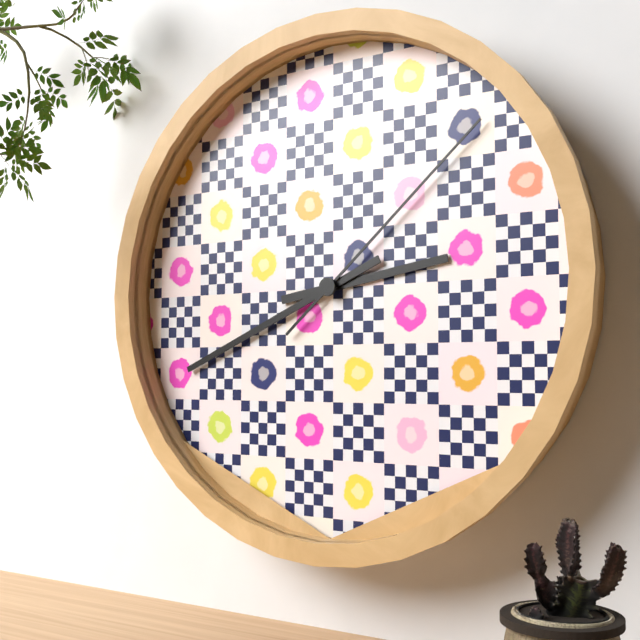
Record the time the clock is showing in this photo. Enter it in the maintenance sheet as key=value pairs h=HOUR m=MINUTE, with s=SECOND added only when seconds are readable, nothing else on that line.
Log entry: h=2 m=41 s=8
